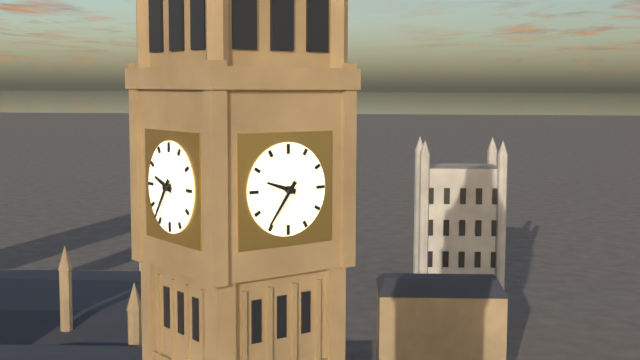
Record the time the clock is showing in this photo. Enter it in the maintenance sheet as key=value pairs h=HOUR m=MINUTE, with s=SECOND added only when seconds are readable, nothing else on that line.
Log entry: h=9 m=36
